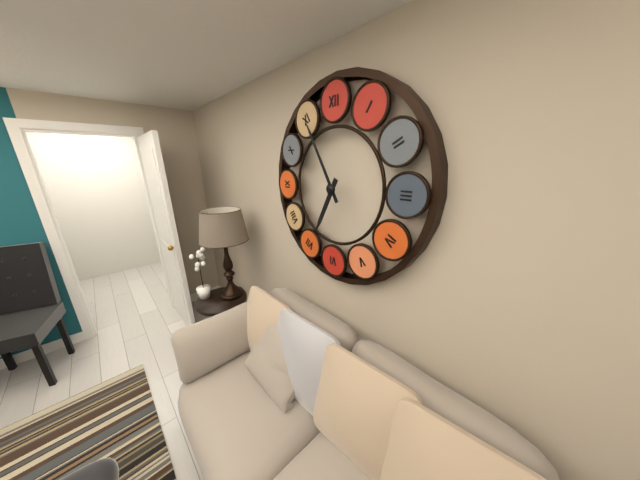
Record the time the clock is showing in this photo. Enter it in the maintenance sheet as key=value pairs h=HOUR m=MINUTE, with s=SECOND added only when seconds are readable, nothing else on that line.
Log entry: h=6 m=55
